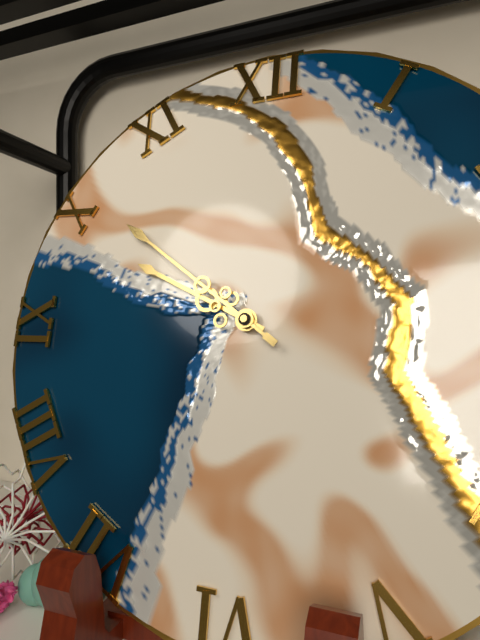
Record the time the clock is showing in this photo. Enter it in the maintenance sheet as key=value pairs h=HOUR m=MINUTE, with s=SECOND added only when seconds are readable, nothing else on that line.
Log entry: h=9 m=51
